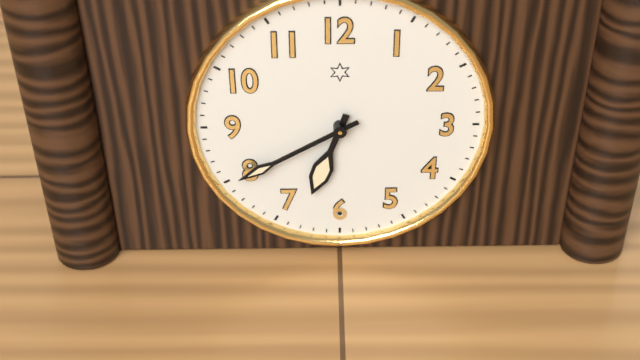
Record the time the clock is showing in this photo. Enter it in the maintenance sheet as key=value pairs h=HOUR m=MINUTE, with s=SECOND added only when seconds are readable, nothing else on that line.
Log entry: h=6 m=40
